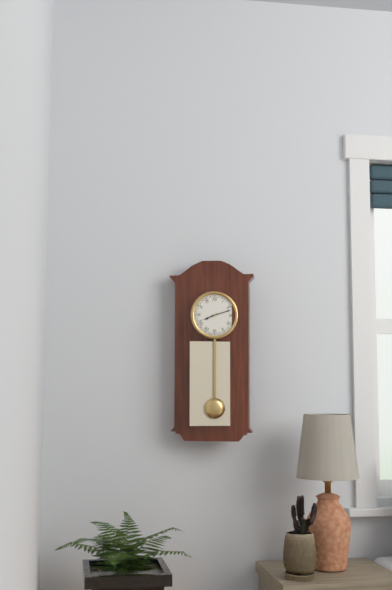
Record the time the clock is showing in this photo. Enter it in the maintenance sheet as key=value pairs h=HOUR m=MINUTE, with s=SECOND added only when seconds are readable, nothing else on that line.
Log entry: h=8 m=12
